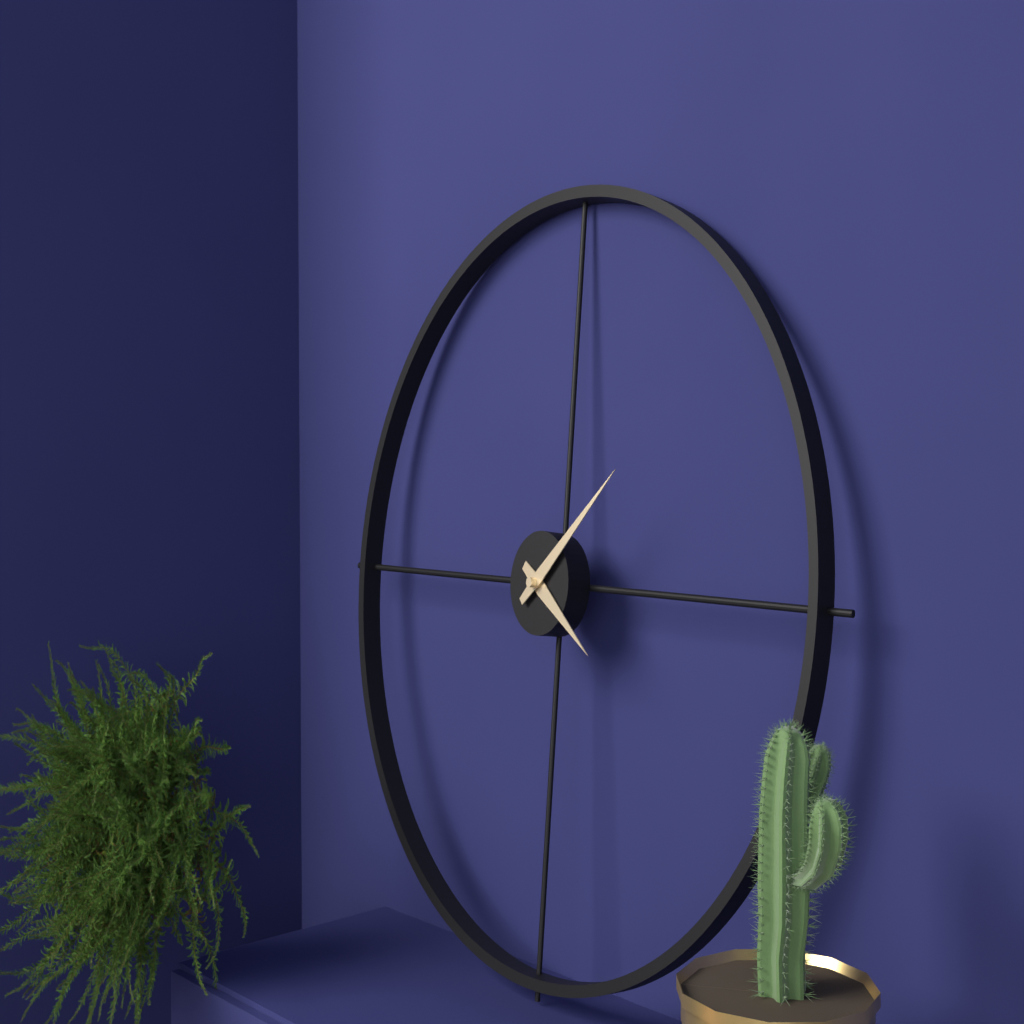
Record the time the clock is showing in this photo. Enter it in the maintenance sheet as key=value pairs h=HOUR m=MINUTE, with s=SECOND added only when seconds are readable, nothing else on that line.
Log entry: h=4 m=8
